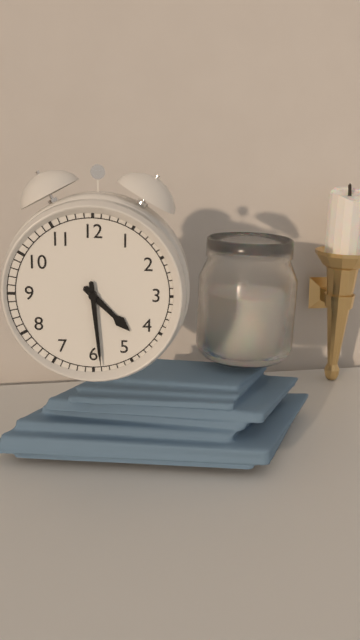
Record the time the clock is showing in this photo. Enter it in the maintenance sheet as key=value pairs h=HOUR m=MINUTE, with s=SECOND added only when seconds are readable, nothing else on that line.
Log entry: h=4 m=29
